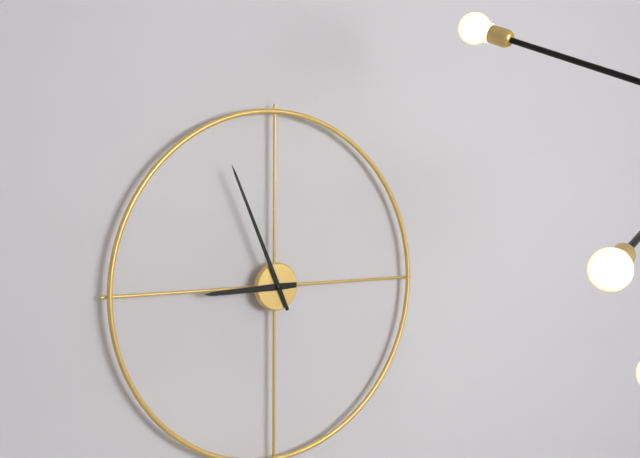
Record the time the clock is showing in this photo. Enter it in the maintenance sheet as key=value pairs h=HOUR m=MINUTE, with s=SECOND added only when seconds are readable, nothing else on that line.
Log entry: h=8 m=56
